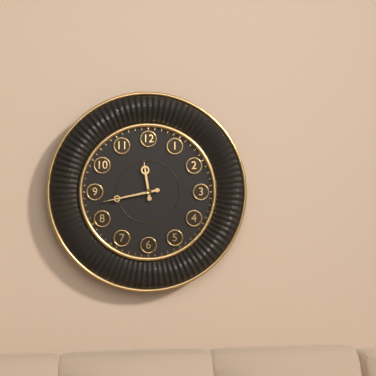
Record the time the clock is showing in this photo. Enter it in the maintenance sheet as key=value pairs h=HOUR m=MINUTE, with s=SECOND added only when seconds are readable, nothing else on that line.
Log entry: h=11 m=43
